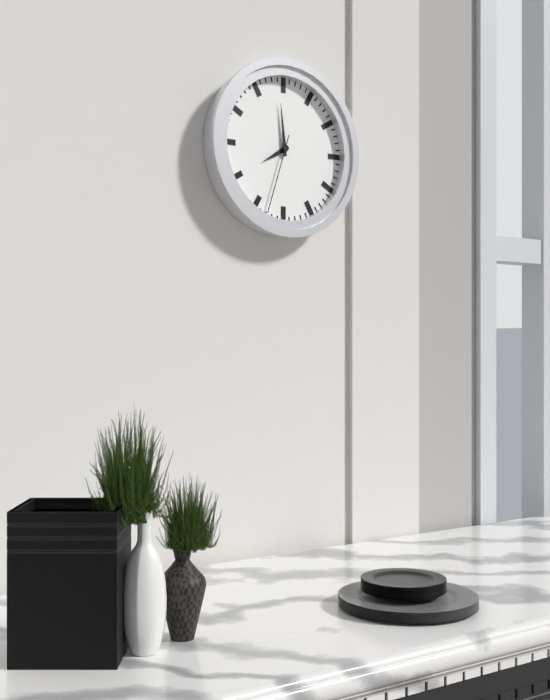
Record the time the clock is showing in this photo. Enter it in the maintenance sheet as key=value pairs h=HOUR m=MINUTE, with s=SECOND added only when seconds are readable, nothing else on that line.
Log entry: h=7 m=59 s=33
